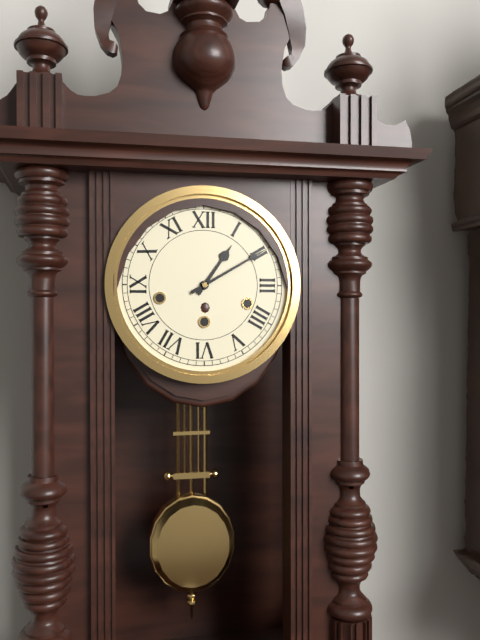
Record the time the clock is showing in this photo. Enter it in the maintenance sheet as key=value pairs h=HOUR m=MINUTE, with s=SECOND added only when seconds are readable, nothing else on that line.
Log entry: h=1 m=10
